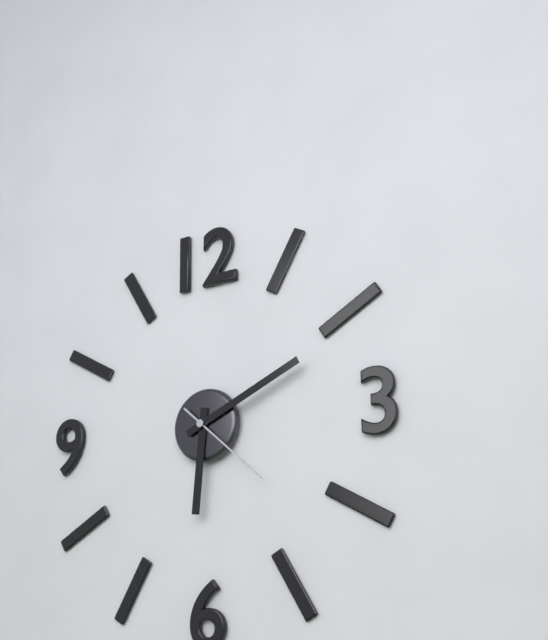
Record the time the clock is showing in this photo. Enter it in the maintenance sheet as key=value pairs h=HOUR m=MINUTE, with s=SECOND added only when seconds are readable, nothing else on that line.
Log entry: h=6 m=11 s=22
